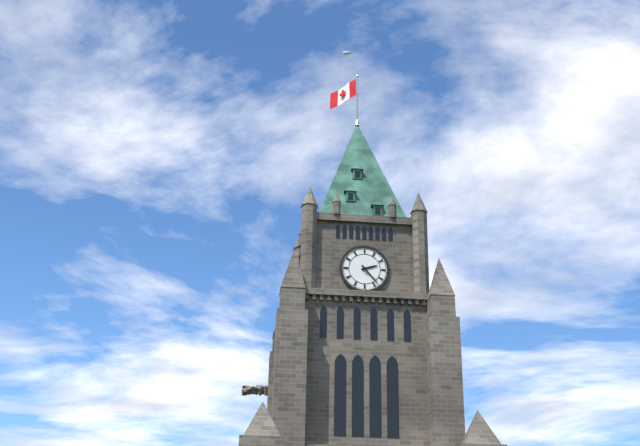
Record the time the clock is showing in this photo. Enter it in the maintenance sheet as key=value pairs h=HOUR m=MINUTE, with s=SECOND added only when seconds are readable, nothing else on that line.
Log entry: h=2 m=23
